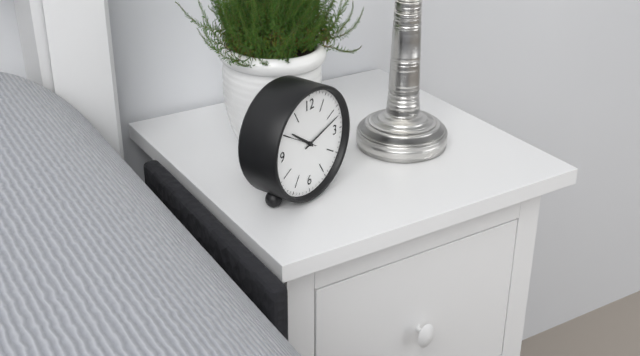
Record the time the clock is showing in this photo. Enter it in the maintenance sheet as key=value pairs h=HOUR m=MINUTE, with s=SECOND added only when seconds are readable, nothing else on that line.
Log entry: h=10 m=12
